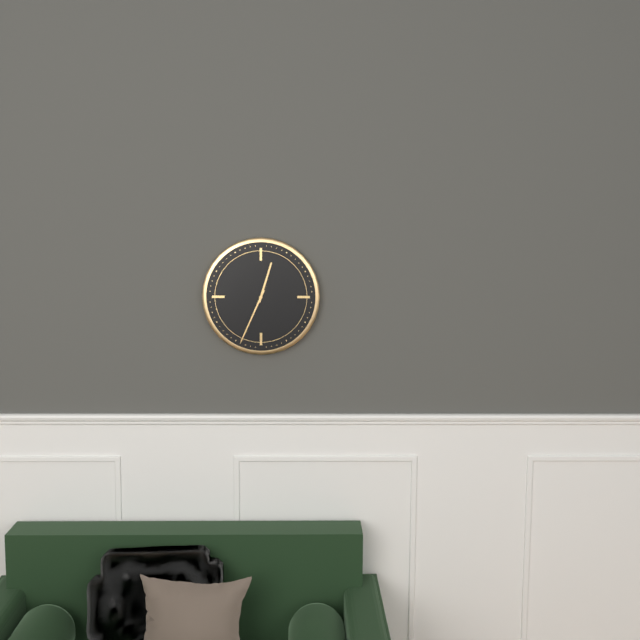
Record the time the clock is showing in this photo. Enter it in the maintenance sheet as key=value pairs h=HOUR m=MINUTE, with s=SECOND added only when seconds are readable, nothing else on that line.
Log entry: h=12 m=34
